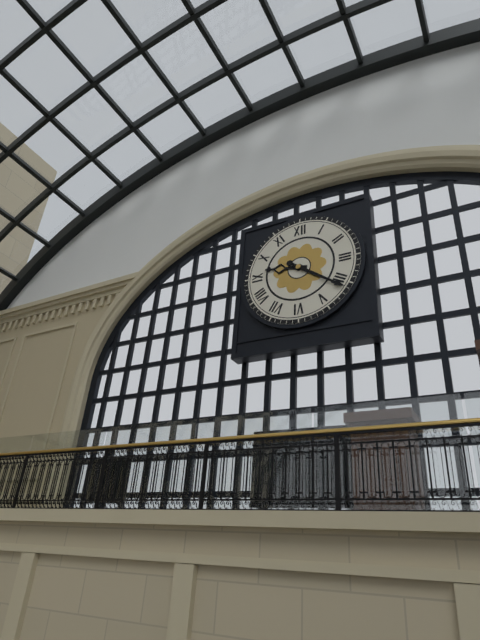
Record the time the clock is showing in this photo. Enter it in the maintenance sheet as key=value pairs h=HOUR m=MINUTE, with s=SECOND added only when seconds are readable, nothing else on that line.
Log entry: h=9 m=21
